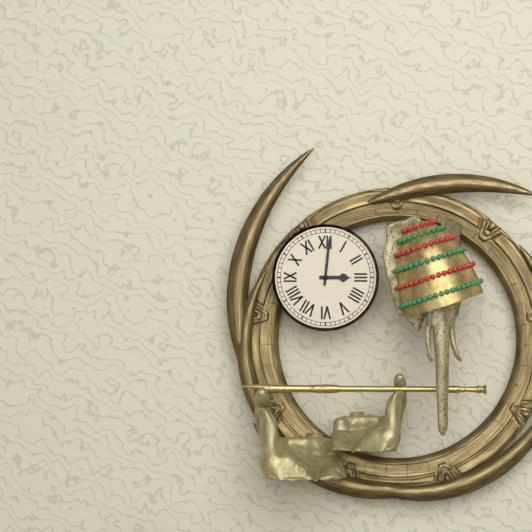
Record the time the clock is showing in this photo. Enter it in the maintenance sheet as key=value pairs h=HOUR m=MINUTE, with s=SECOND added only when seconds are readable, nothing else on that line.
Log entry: h=3 m=1
